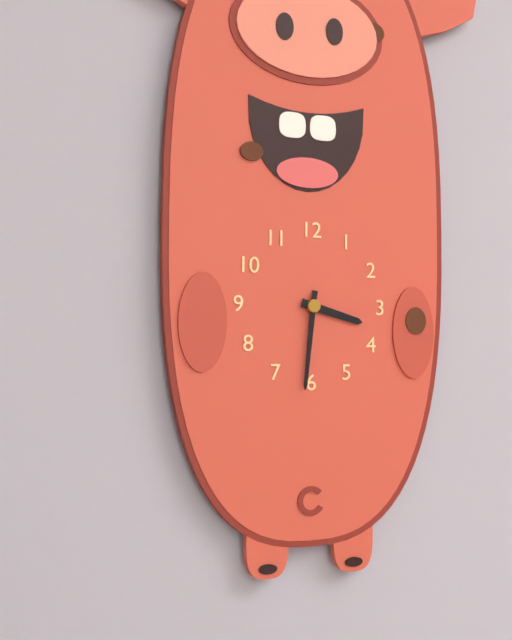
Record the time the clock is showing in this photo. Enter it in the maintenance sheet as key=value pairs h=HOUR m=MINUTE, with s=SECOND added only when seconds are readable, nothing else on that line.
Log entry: h=3 m=31
